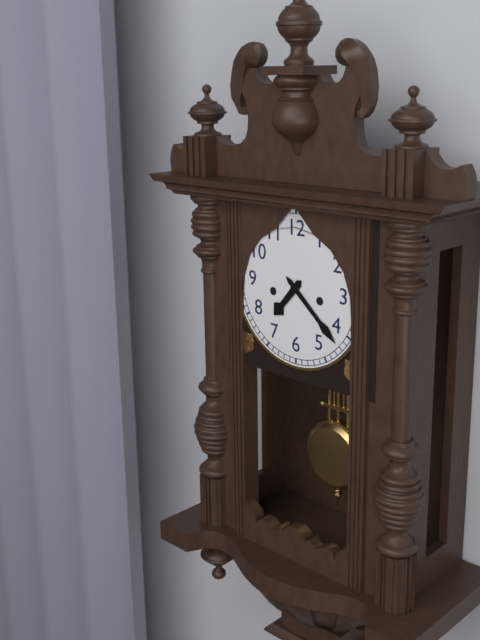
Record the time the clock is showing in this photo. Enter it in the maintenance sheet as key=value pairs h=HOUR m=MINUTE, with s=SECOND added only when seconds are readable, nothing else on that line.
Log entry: h=7 m=22
